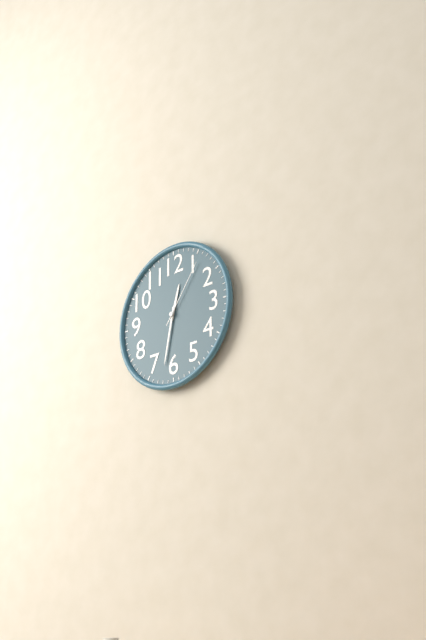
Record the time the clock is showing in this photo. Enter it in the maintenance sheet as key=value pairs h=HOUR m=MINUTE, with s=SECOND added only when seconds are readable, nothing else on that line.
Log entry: h=12 m=32 s=6
